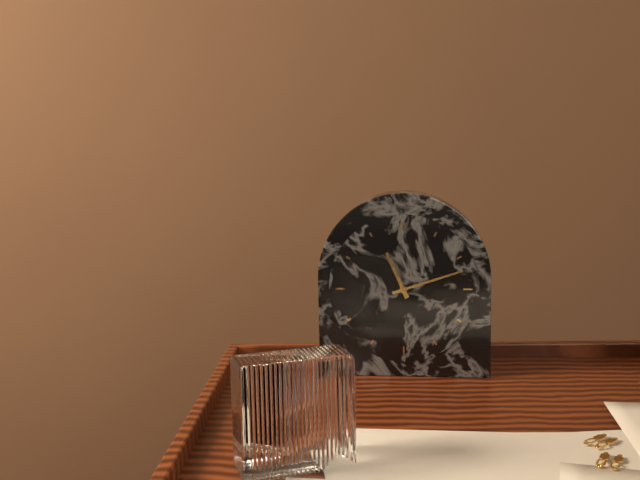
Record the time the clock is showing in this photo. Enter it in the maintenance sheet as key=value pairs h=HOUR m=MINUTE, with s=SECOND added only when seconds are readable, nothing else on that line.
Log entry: h=11 m=12
